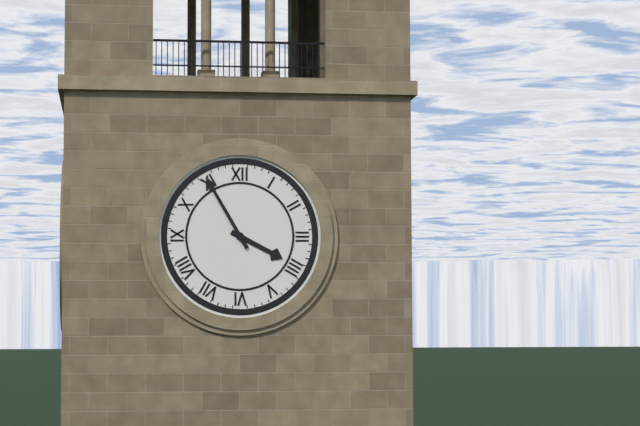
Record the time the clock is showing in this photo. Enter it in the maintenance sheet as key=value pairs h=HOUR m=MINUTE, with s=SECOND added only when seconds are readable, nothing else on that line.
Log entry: h=3 m=55
